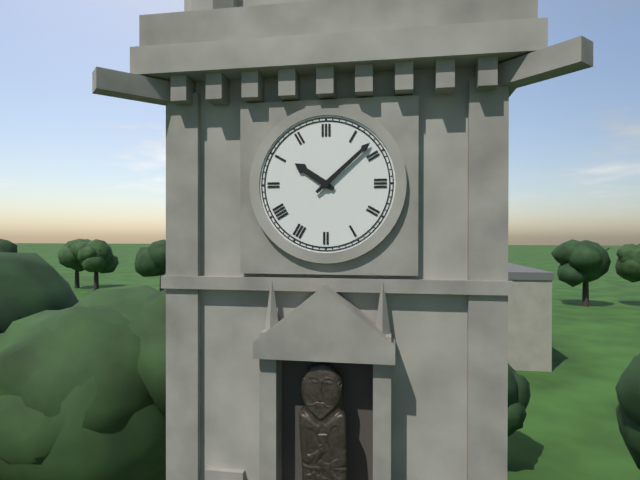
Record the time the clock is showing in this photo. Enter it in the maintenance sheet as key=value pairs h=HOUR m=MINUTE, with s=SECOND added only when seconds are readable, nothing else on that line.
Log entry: h=10 m=8
